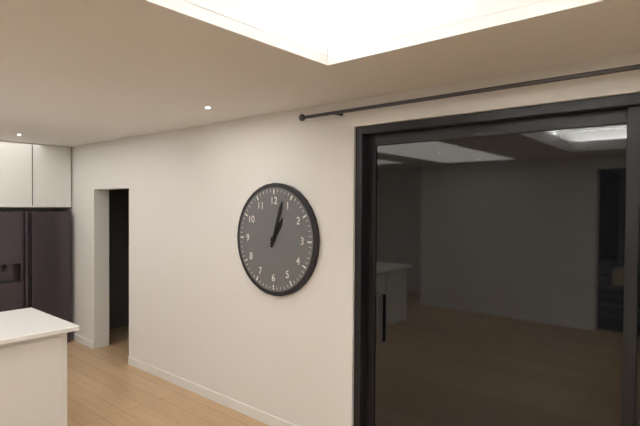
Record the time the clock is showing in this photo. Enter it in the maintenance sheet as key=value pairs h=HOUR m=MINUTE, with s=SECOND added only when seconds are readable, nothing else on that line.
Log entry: h=1 m=3
